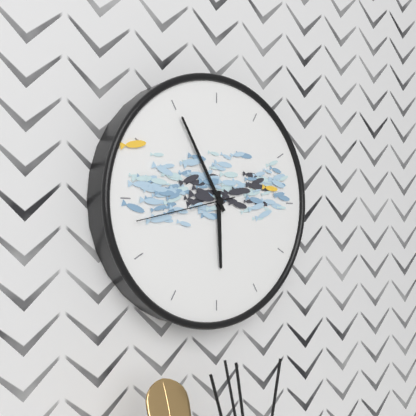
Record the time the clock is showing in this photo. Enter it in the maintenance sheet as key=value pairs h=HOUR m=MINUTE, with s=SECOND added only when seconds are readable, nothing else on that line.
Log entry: h=5 m=55 s=43
